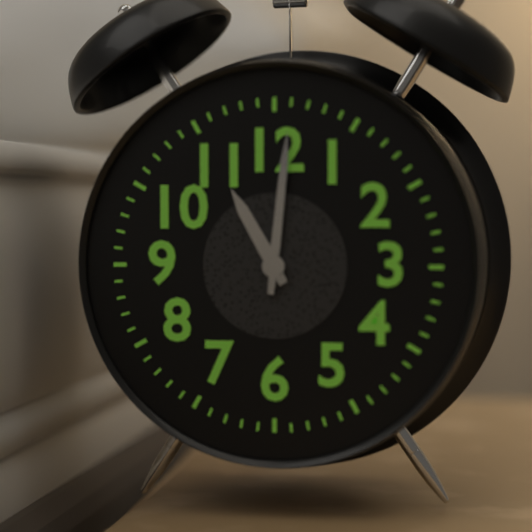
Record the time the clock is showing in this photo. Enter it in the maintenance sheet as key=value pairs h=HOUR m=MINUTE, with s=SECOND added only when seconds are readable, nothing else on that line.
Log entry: h=11 m=1
